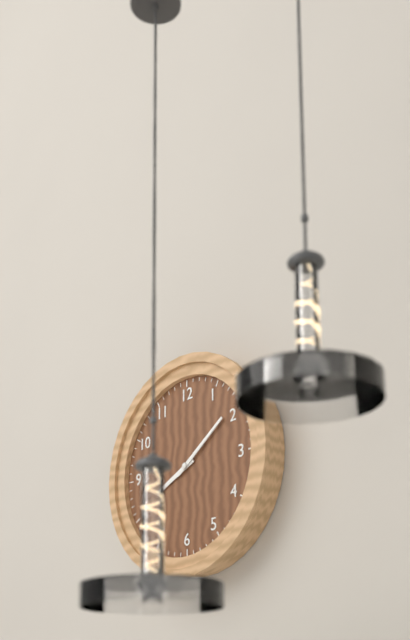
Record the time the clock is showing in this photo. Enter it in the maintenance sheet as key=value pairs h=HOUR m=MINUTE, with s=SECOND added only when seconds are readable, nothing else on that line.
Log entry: h=8 m=9
